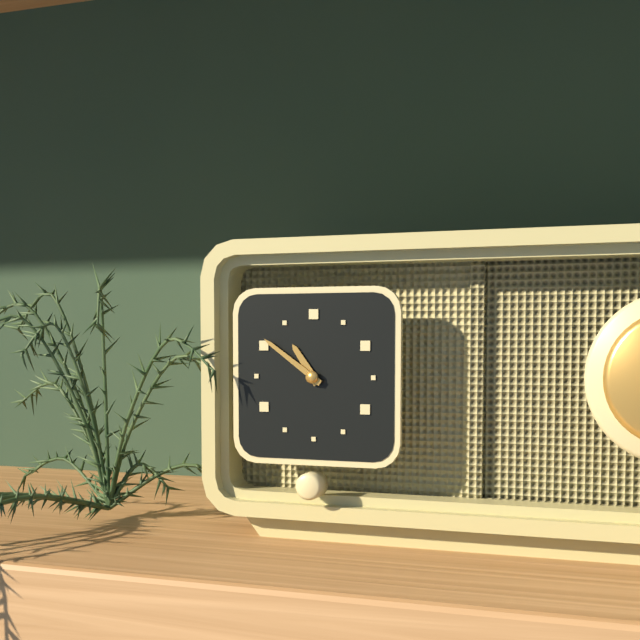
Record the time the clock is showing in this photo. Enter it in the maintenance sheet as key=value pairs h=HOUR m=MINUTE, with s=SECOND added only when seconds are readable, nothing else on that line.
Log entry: h=10 m=51
